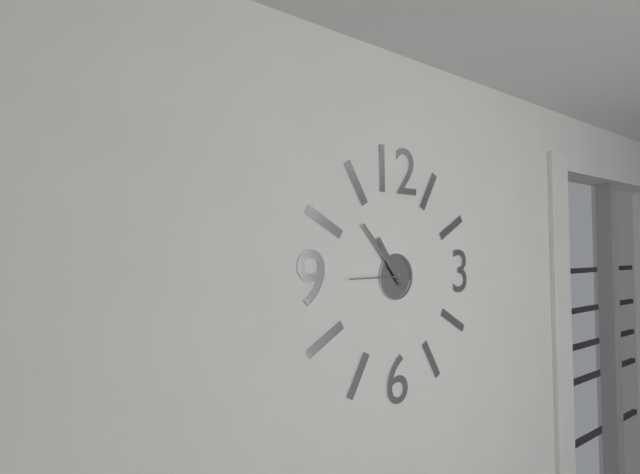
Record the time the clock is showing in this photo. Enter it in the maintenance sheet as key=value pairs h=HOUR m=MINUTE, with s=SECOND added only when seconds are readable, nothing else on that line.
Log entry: h=10 m=53 s=45
